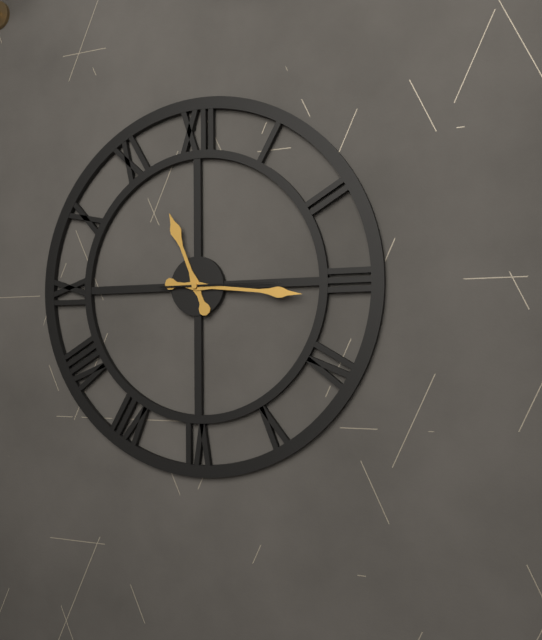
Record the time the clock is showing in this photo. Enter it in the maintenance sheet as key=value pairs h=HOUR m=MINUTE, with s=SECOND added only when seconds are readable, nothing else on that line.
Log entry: h=11 m=16 s=15
